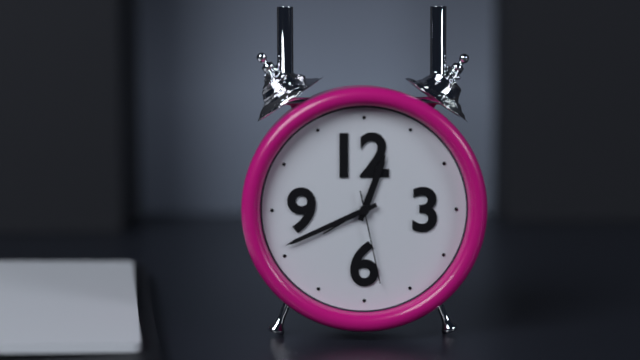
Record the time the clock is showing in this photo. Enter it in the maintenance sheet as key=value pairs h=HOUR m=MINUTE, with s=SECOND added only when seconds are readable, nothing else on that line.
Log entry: h=12 m=41 s=28
